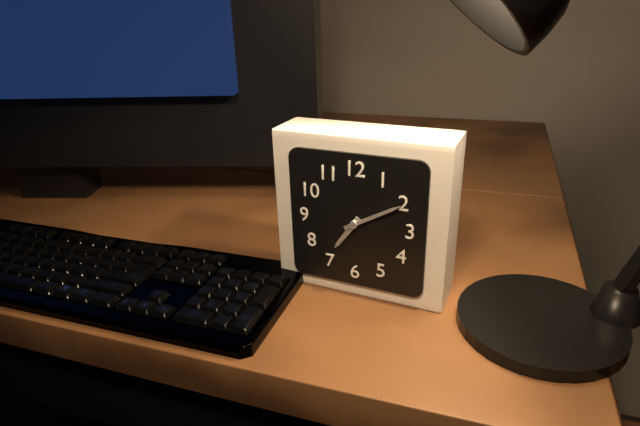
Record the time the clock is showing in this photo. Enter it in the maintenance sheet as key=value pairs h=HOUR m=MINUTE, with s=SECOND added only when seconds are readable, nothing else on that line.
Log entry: h=7 m=10
